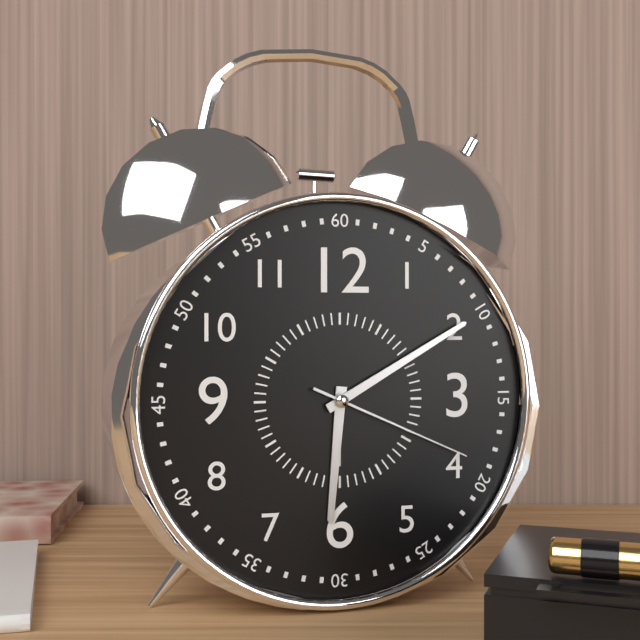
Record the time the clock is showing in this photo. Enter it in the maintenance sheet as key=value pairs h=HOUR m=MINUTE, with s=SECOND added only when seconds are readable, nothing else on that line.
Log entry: h=6 m=10 s=19
